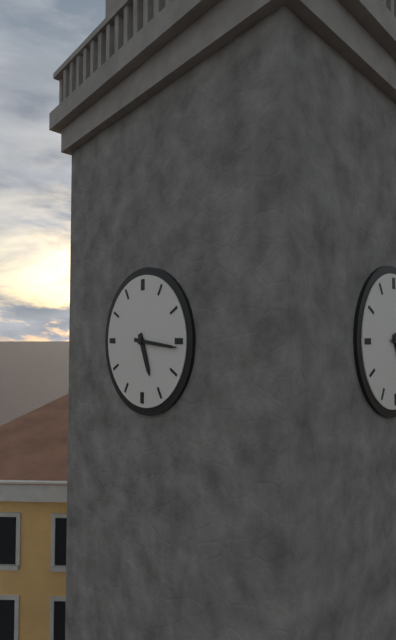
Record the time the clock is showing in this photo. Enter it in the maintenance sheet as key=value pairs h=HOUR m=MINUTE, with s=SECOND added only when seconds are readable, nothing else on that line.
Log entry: h=5 m=16
